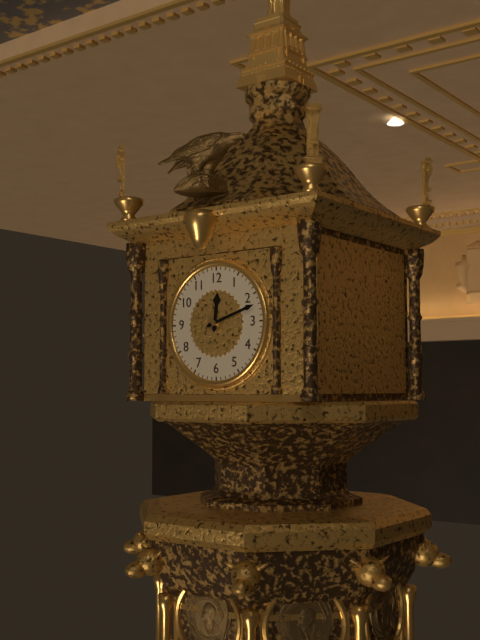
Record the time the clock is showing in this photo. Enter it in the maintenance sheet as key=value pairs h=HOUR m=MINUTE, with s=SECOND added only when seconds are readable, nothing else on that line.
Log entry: h=12 m=12
